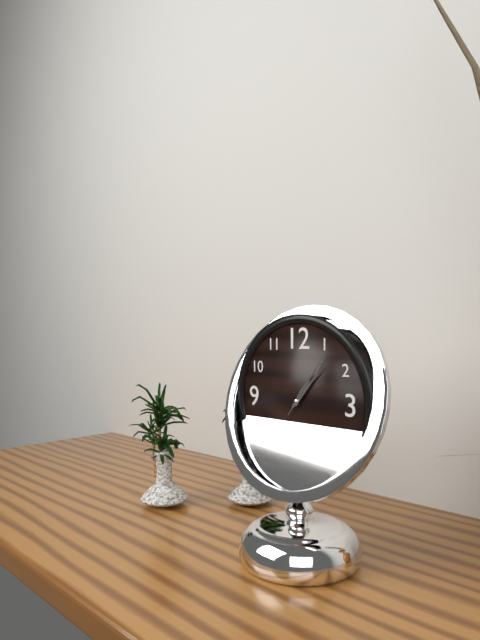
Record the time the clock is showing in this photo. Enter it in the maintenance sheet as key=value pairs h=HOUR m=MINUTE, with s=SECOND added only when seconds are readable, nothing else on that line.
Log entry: h=1 m=7 s=6
